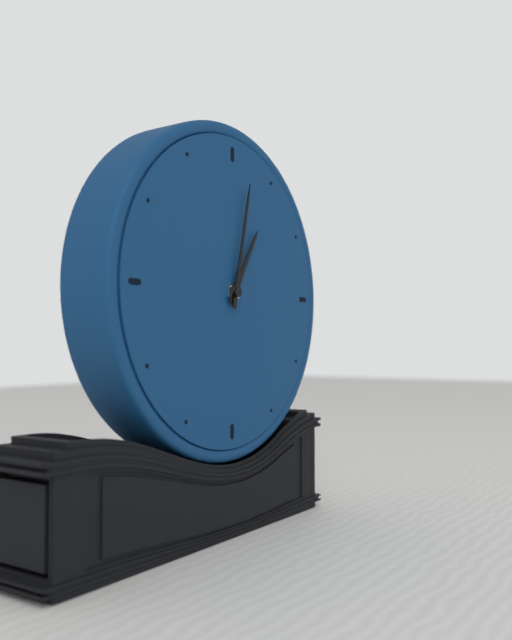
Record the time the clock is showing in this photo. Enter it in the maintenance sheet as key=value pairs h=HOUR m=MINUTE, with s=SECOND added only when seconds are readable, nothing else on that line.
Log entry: h=1 m=2
